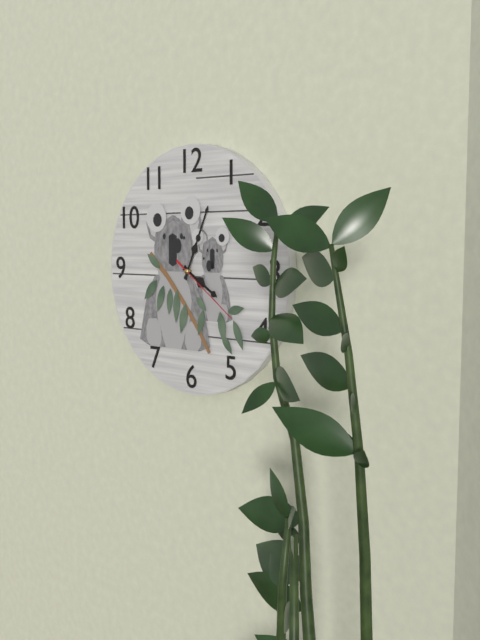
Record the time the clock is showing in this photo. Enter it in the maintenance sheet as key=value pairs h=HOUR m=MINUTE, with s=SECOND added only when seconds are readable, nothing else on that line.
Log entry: h=4 m=4 s=21
